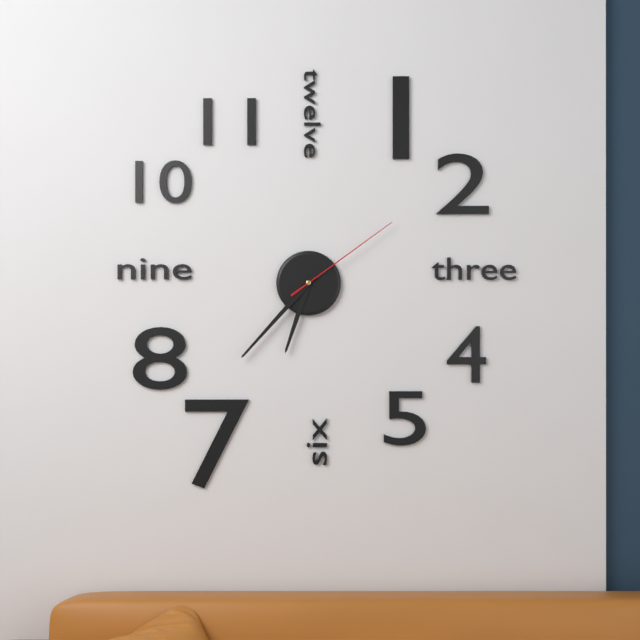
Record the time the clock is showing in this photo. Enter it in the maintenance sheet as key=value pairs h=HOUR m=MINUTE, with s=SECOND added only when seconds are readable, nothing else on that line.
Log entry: h=6 m=37 s=9
